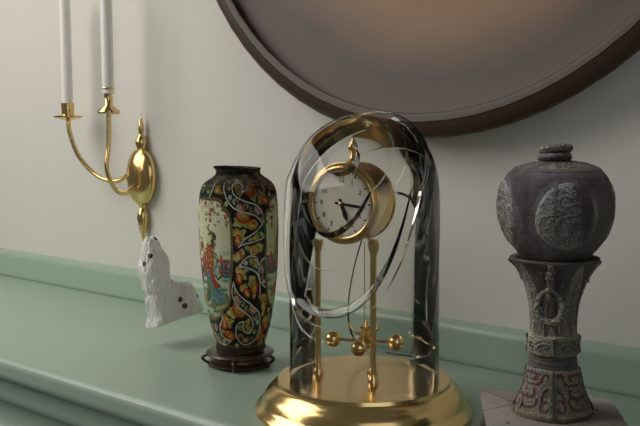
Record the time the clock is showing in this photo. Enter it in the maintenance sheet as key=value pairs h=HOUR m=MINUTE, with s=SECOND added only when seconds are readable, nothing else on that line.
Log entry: h=5 m=16
